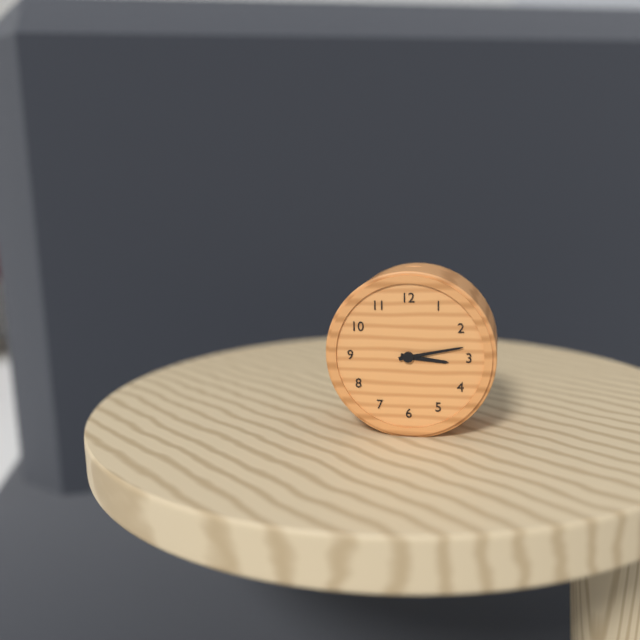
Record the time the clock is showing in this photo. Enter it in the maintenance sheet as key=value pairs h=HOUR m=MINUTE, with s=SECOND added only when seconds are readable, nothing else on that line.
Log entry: h=3 m=13
